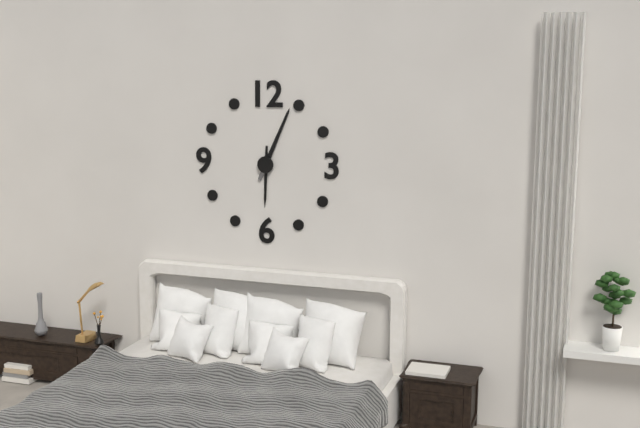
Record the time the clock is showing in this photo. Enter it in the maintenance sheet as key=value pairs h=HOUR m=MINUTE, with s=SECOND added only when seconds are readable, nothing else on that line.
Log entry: h=6 m=4
